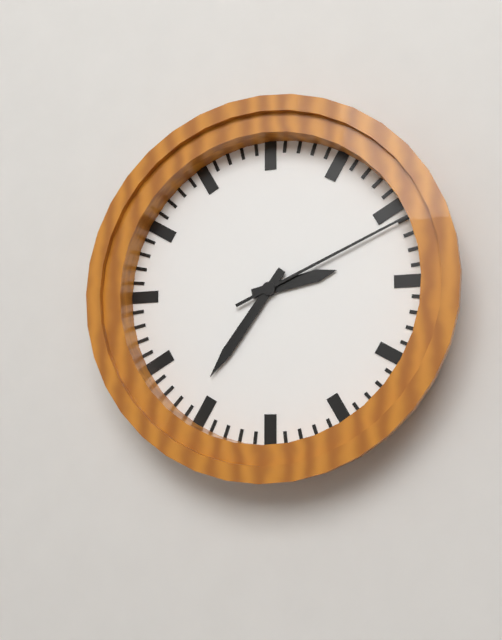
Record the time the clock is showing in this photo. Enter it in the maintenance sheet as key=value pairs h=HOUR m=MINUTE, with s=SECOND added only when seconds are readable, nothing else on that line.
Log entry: h=2 m=36 s=11
